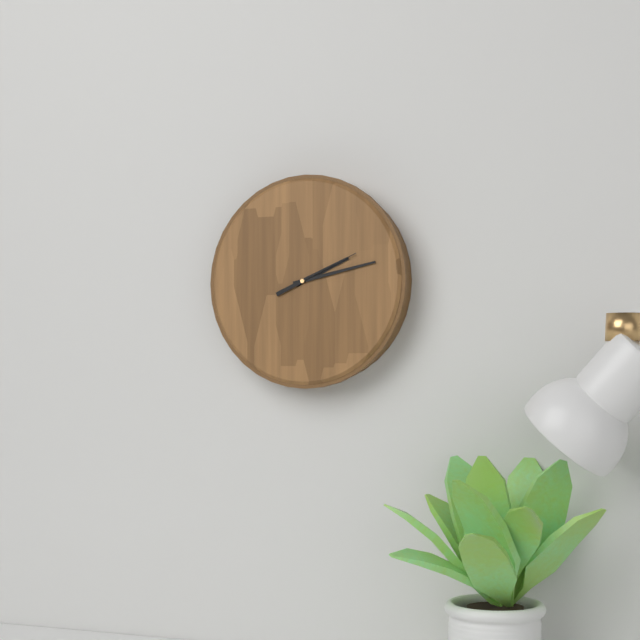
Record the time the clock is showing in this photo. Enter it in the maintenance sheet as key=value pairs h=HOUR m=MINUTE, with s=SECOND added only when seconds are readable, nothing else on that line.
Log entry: h=2 m=13 s=11
